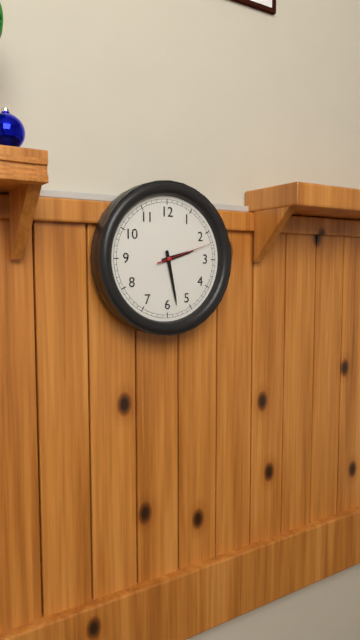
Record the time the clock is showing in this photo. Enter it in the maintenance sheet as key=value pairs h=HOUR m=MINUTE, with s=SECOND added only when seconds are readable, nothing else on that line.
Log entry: h=2 m=28 s=12
